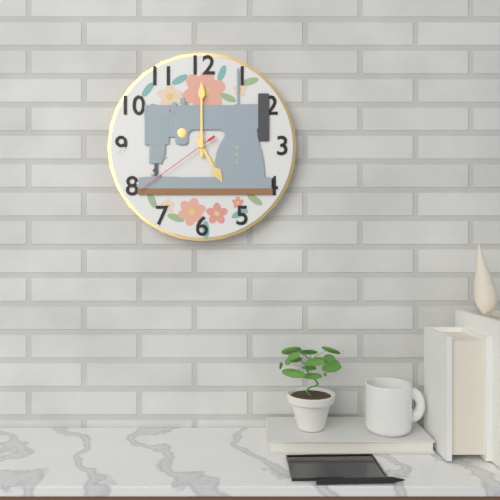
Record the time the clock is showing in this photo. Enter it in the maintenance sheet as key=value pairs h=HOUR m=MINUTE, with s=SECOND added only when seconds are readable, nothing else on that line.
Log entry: h=5 m=0 s=39
